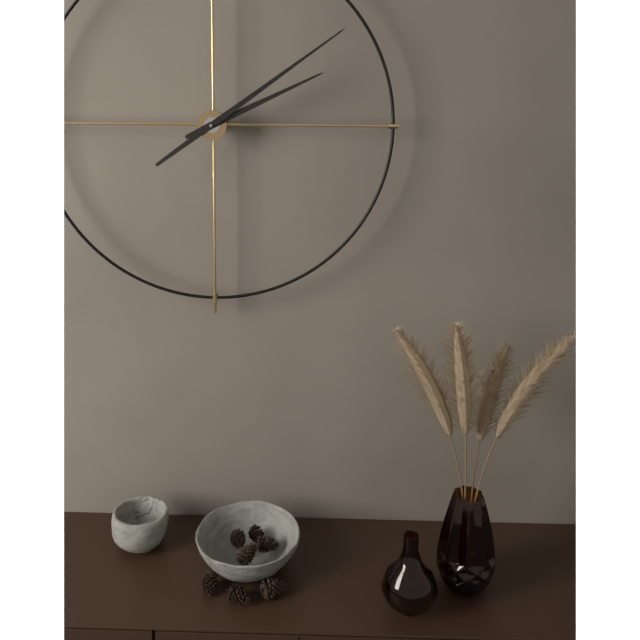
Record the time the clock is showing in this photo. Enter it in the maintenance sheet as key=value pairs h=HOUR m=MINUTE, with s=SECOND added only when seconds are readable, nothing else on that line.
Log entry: h=2 m=9
